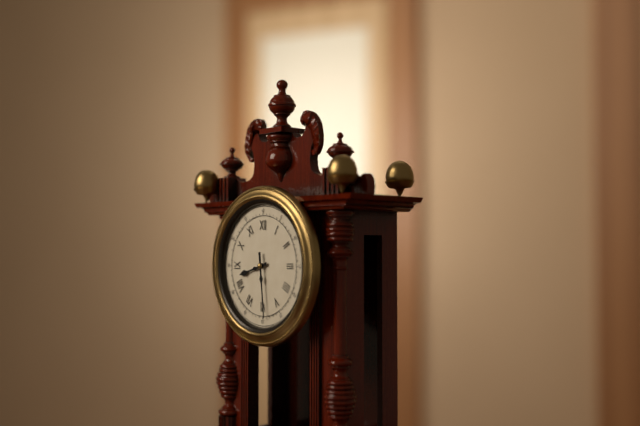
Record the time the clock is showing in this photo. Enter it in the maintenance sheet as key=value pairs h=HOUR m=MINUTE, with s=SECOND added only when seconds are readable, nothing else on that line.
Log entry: h=8 m=29
